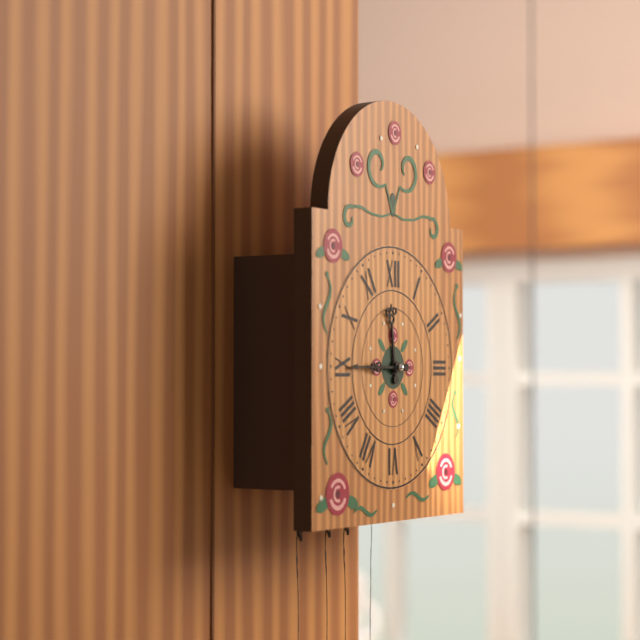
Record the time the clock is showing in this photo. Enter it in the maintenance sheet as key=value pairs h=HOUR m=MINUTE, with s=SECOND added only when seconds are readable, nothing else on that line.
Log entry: h=11 m=45
